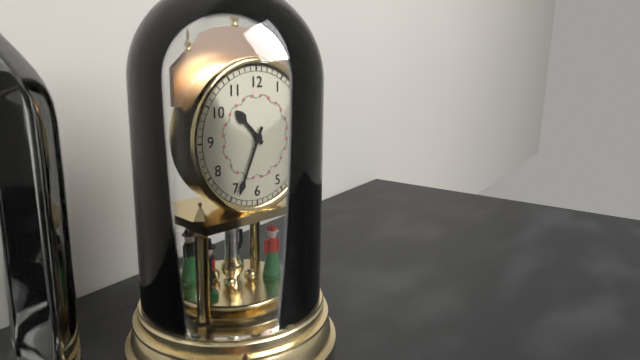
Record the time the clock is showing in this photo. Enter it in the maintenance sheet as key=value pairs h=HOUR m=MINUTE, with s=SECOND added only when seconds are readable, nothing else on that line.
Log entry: h=10 m=34
